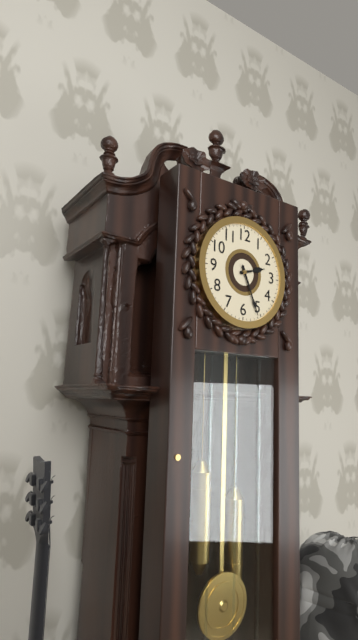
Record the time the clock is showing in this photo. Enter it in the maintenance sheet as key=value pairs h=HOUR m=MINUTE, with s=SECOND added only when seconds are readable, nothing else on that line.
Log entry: h=2 m=26
